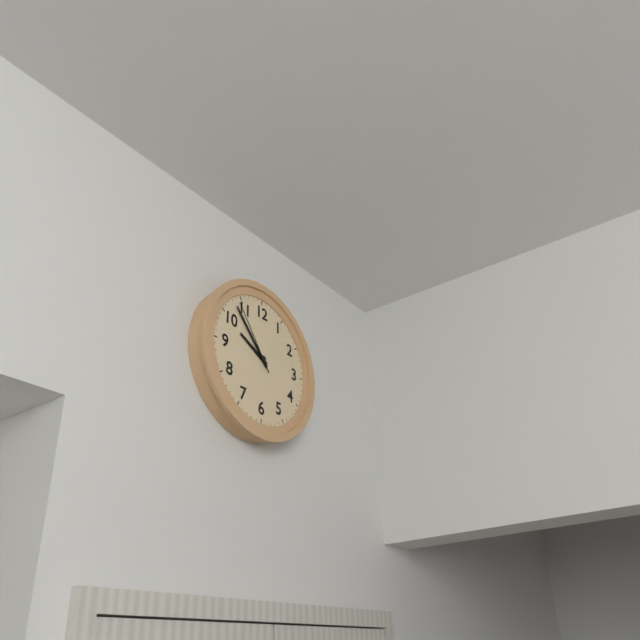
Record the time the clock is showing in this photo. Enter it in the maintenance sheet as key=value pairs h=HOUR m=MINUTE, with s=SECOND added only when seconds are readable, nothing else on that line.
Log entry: h=9 m=53 s=54
